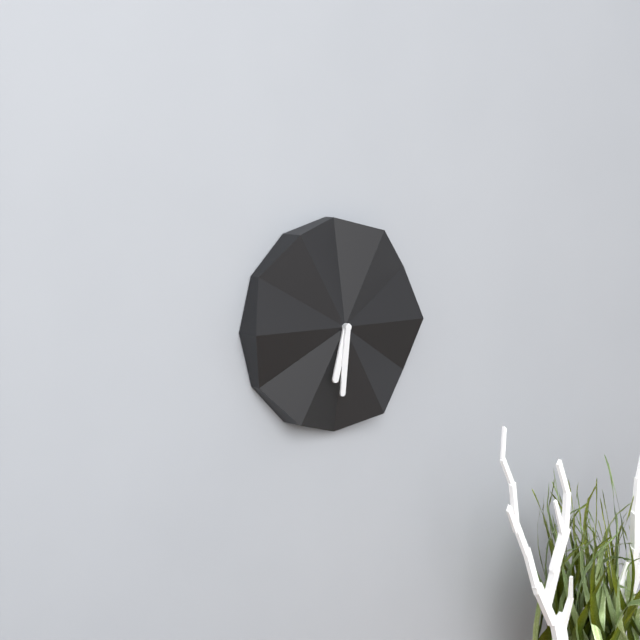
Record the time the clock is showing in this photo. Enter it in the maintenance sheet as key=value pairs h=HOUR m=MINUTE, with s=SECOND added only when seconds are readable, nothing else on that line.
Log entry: h=6 m=31
